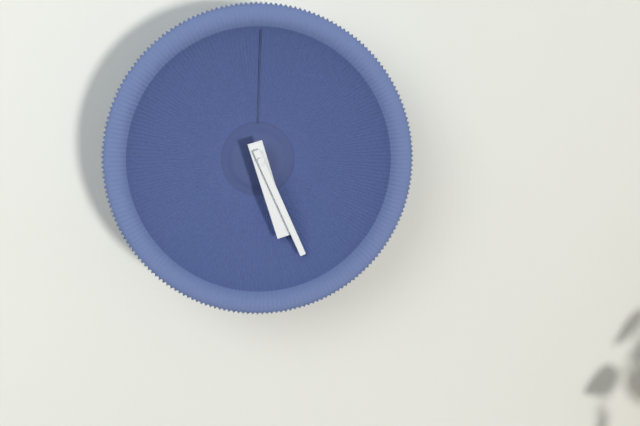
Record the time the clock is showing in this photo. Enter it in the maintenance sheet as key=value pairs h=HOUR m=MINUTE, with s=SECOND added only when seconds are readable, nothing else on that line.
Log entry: h=5 m=26
